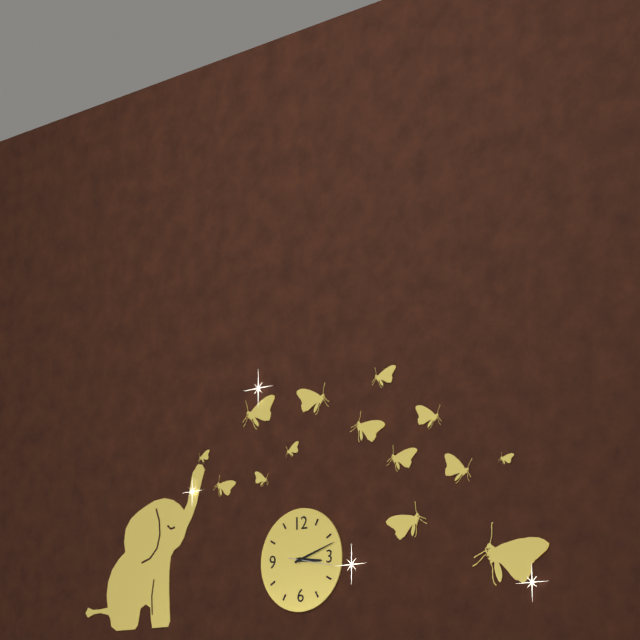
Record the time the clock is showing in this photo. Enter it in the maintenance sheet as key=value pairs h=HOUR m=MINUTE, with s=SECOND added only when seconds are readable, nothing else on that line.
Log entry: h=3 m=12
